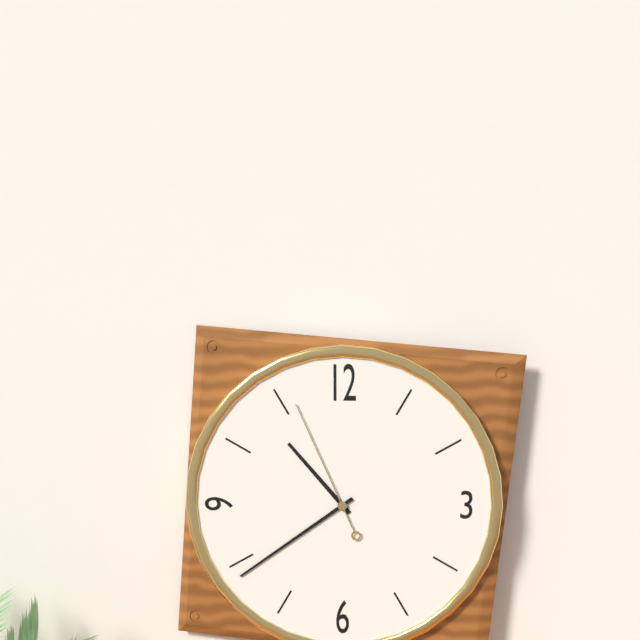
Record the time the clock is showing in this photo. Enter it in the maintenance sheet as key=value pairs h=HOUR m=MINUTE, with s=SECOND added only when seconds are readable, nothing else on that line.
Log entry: h=10 m=39 s=56
